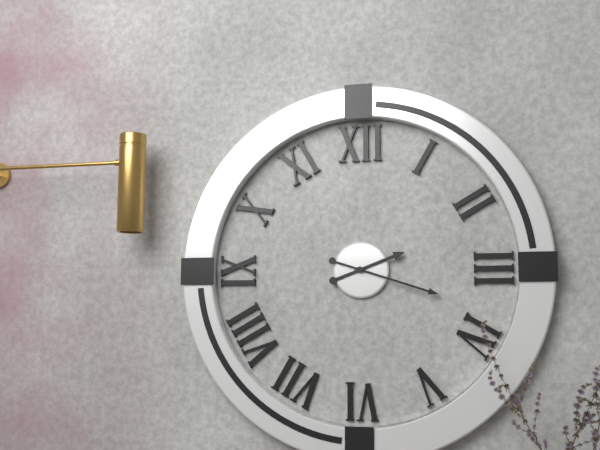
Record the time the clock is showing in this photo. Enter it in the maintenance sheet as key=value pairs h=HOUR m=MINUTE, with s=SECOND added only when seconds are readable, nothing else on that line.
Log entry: h=2 m=18
